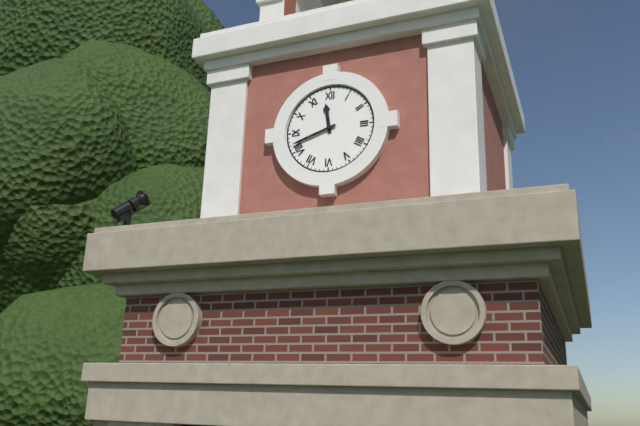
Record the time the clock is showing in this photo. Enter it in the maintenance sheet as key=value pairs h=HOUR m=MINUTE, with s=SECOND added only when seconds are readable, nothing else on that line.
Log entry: h=11 m=42
